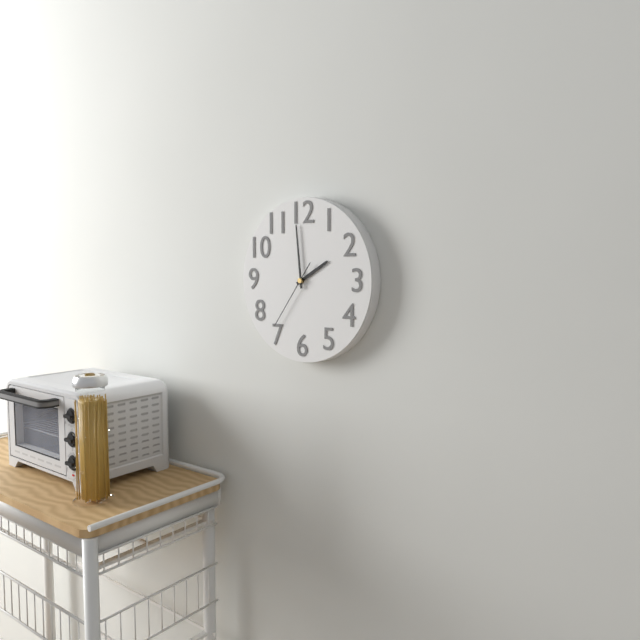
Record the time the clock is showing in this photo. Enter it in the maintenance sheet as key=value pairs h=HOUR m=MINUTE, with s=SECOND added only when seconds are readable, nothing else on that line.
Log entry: h=1 m=59 s=36
